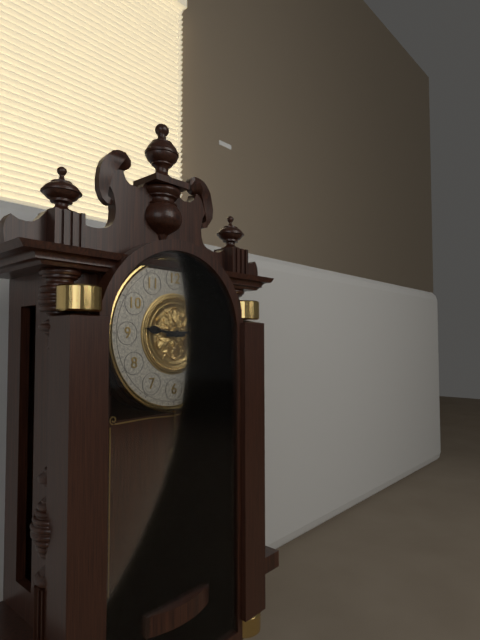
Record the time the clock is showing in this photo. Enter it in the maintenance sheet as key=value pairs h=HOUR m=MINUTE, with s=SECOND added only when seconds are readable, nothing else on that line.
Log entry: h=9 m=14
